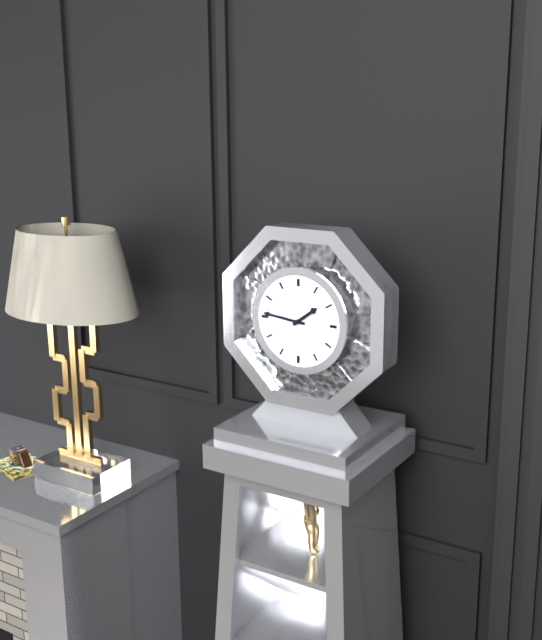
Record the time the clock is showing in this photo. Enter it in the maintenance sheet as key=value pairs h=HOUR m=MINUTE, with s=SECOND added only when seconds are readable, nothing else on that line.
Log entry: h=1 m=46
